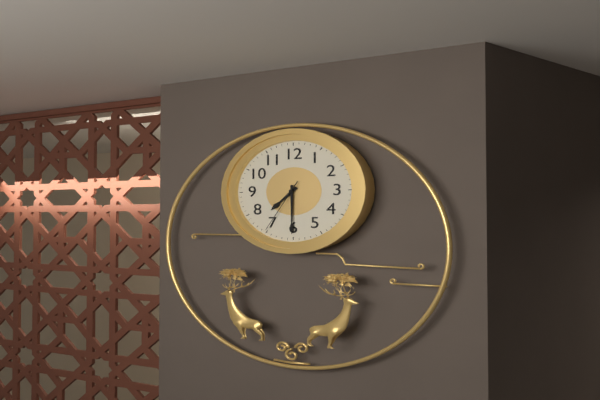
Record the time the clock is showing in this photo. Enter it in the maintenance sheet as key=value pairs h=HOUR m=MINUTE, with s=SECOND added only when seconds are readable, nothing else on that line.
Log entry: h=7 m=30 s=35
